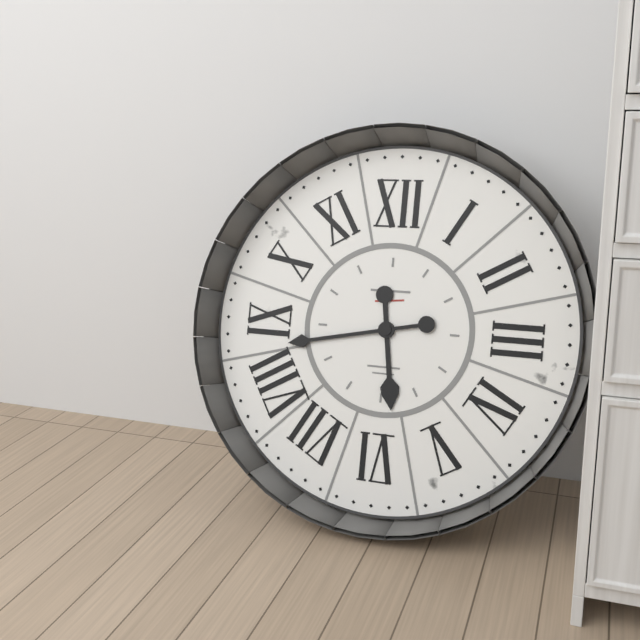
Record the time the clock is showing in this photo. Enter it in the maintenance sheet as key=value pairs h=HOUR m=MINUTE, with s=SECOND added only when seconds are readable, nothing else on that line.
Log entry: h=5 m=43
